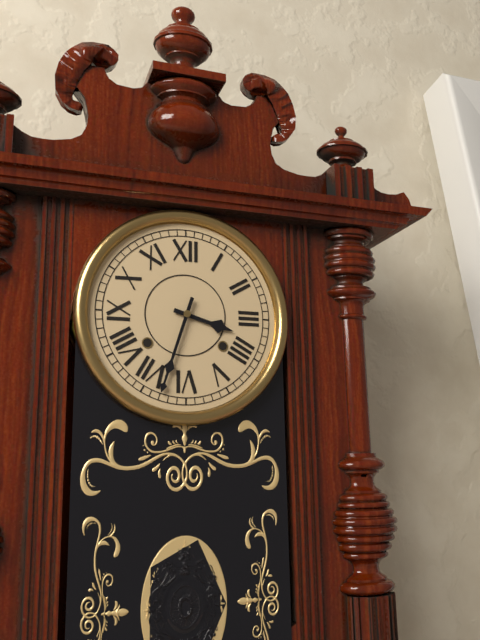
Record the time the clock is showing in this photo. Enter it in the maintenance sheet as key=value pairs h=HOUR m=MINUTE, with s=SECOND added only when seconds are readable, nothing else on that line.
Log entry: h=3 m=33
